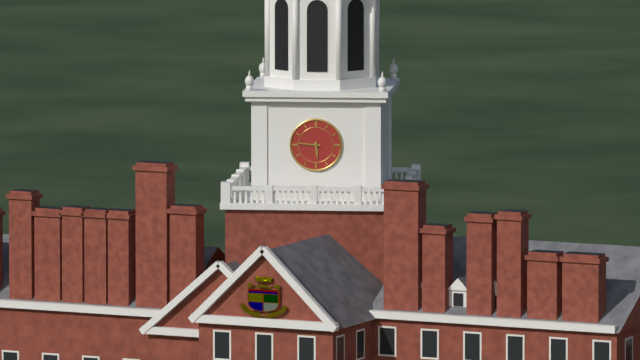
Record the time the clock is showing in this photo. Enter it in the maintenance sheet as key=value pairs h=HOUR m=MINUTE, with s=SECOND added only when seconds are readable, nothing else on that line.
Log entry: h=5 m=46
